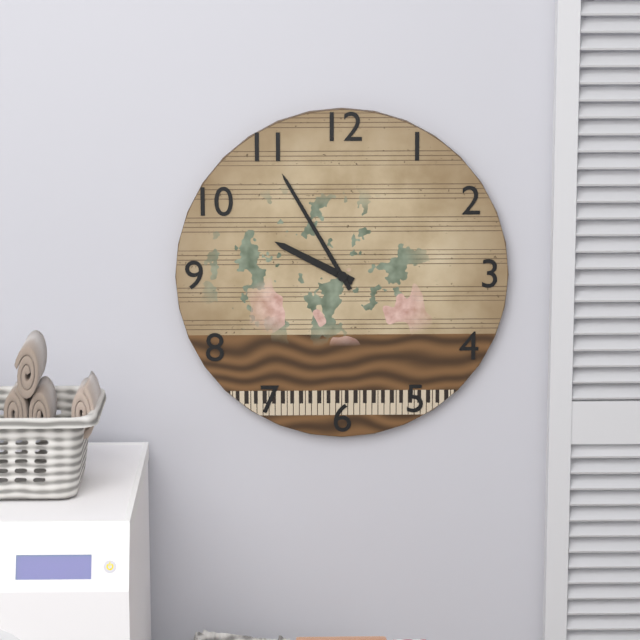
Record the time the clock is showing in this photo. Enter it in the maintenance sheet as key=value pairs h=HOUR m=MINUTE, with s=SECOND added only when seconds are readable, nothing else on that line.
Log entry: h=9 m=55
